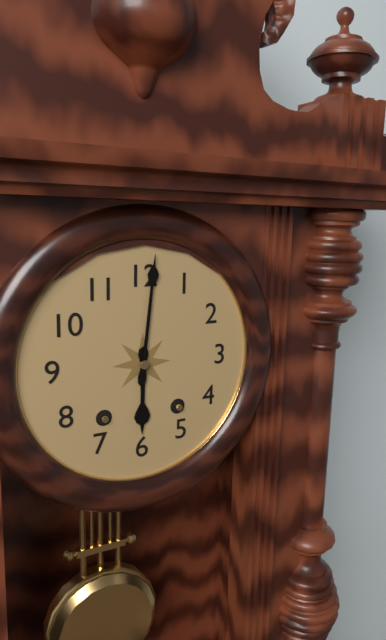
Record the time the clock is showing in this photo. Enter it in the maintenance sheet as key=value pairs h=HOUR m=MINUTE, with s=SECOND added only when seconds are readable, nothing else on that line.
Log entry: h=6 m=1
